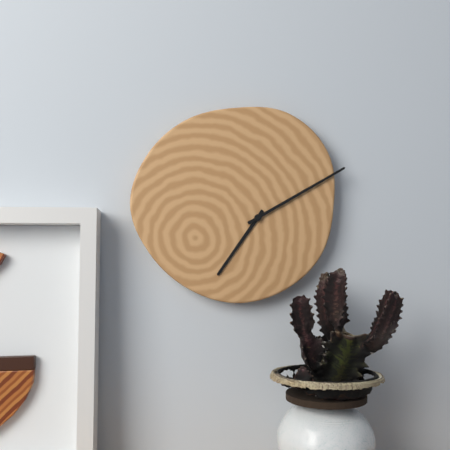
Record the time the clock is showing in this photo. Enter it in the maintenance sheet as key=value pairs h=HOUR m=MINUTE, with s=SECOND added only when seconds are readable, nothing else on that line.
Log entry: h=7 m=10
